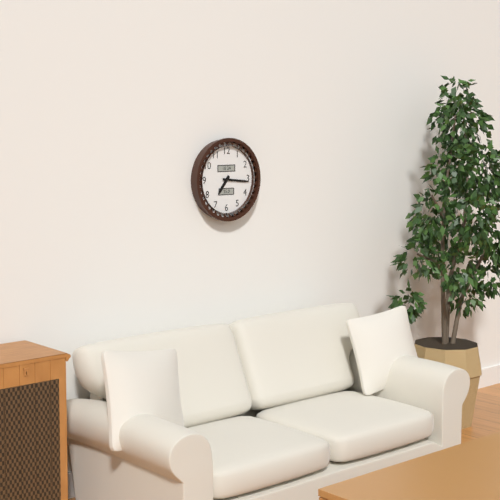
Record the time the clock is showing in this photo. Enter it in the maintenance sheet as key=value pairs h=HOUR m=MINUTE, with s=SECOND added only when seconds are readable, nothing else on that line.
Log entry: h=7 m=16
